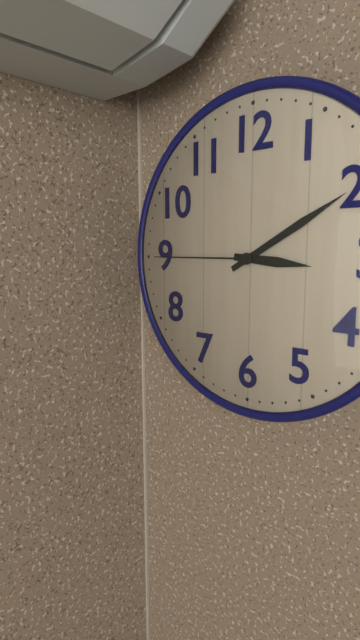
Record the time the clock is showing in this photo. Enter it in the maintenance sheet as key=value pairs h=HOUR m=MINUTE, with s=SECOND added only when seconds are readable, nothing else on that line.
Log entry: h=3 m=10 s=45
